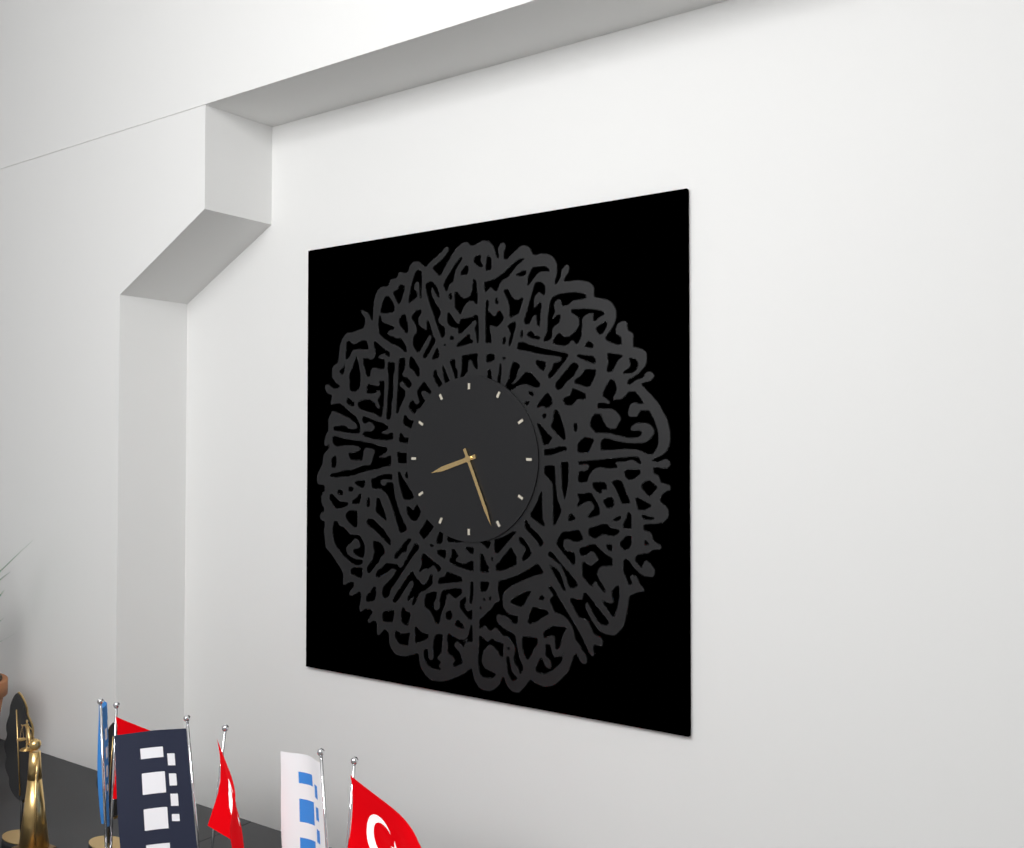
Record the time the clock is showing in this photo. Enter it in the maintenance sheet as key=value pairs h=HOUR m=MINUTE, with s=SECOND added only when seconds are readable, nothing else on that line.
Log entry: h=8 m=26
